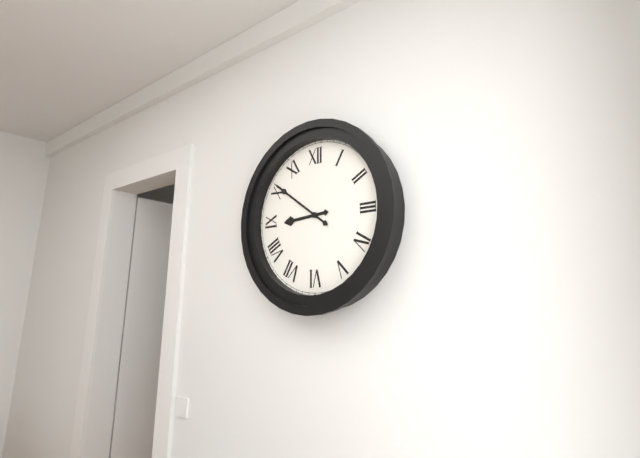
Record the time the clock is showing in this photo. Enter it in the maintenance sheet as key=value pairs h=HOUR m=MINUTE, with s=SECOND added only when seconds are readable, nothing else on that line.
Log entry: h=8 m=51
